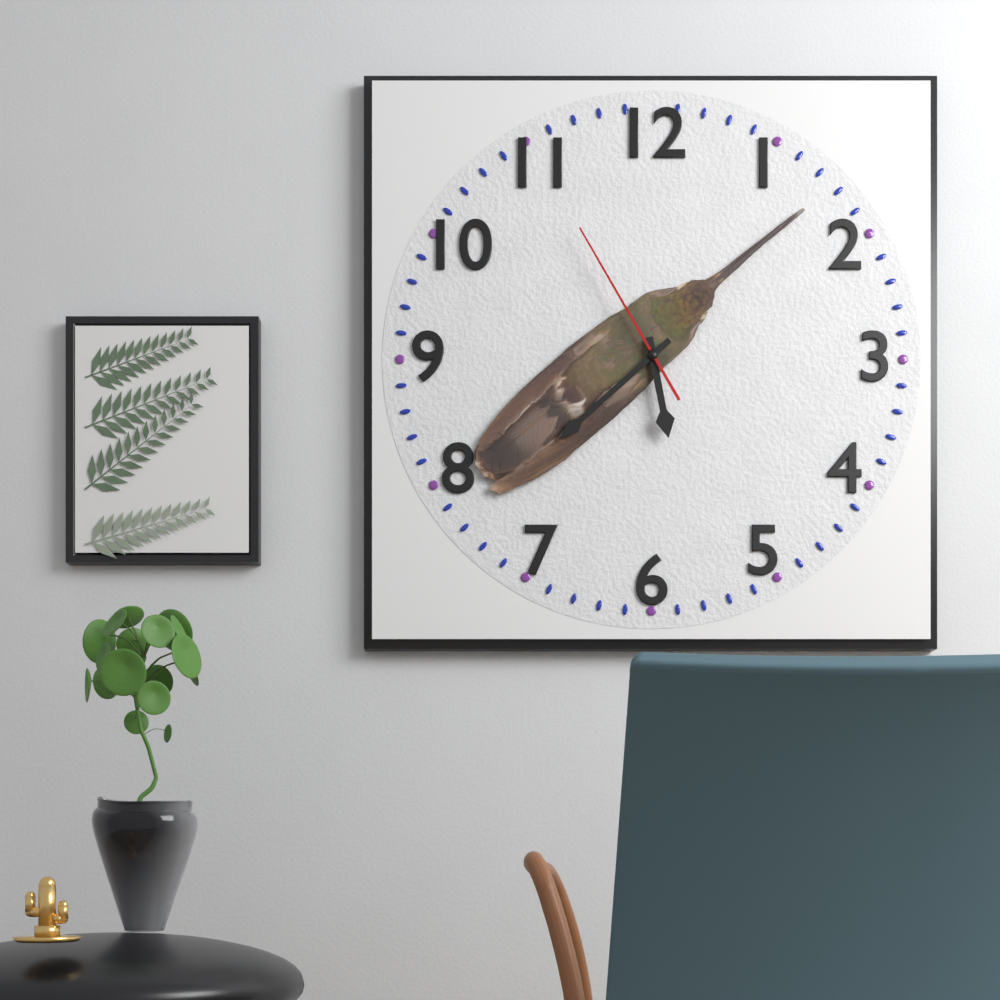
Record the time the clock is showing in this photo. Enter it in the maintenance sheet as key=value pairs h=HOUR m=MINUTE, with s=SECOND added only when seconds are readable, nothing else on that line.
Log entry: h=5 m=38 s=55
